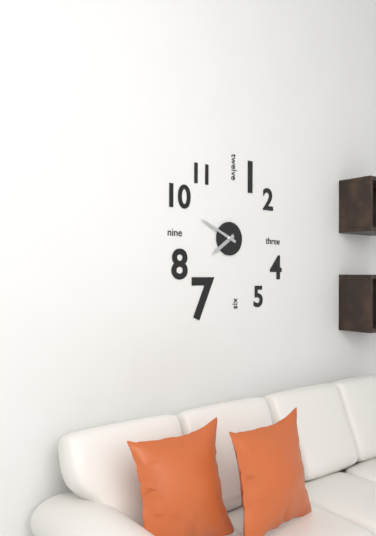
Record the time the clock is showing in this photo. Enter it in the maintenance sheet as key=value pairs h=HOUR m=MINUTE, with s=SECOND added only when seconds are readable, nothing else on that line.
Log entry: h=7 m=49
